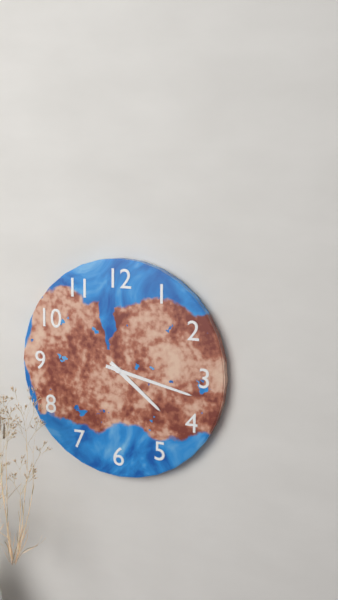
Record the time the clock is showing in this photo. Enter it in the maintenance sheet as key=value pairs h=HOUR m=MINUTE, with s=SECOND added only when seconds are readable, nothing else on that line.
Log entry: h=4 m=17
